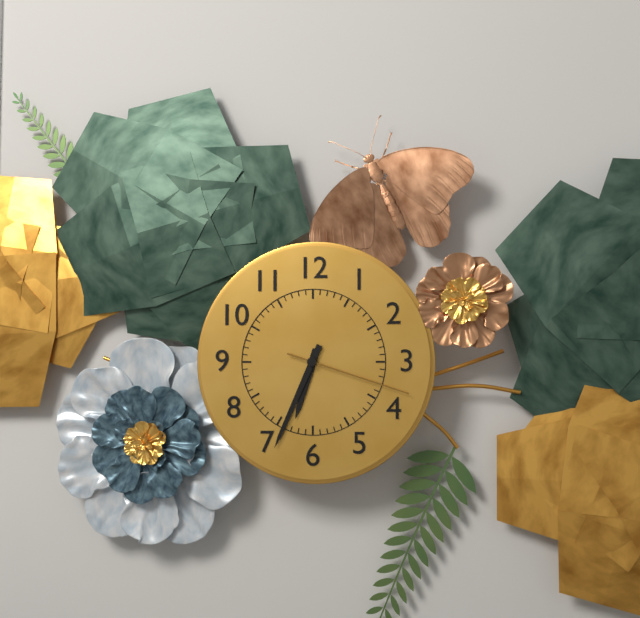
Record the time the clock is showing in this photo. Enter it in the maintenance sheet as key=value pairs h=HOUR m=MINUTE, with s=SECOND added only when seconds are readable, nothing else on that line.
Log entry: h=6 m=34 s=18
